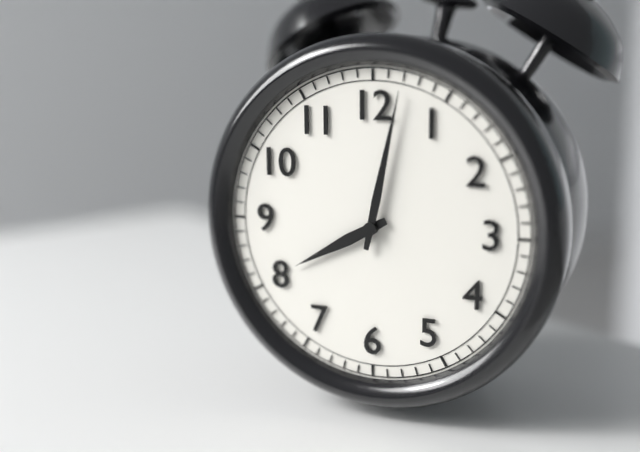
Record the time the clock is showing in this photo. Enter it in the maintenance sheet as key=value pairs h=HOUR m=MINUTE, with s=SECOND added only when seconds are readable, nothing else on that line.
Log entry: h=8 m=2
